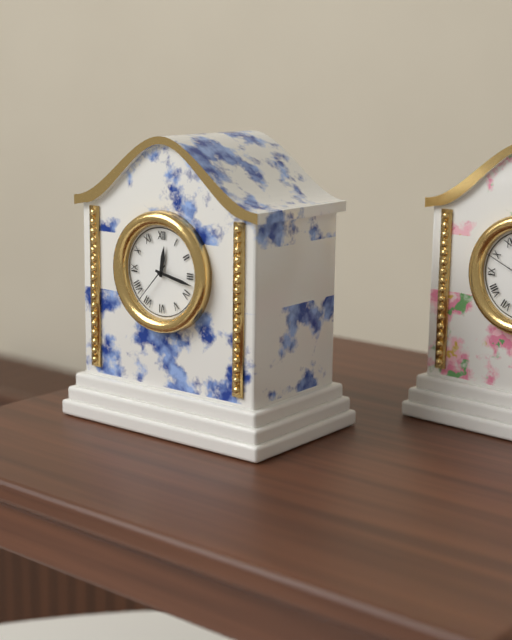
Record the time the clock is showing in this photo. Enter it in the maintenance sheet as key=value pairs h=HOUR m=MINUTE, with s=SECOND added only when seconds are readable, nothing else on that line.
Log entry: h=12 m=17 s=37
